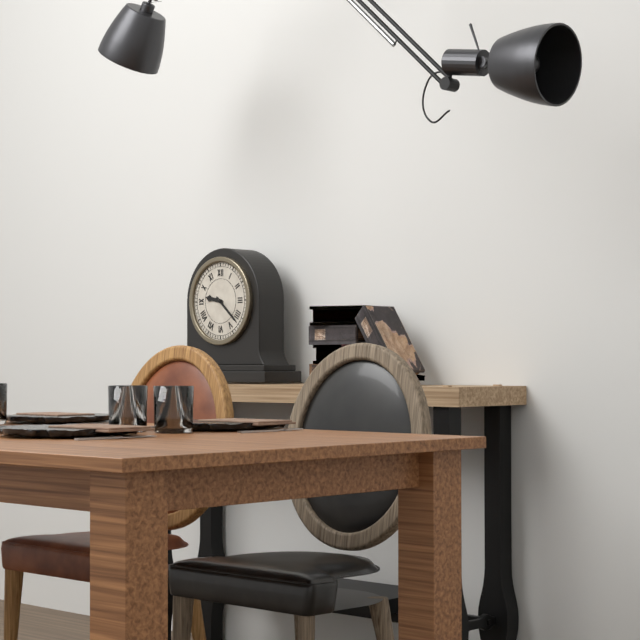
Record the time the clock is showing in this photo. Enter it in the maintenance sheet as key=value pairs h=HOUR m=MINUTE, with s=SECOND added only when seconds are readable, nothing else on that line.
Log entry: h=9 m=22
